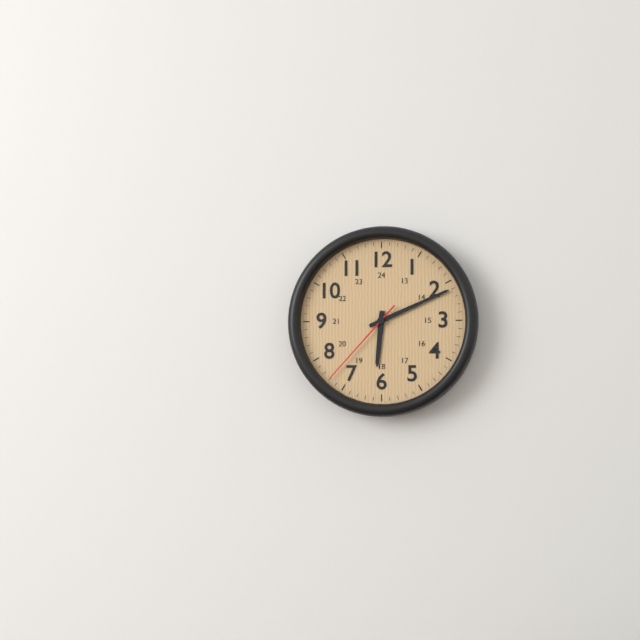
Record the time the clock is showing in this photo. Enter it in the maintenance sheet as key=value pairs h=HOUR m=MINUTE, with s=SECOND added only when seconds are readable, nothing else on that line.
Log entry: h=6 m=11 s=37
